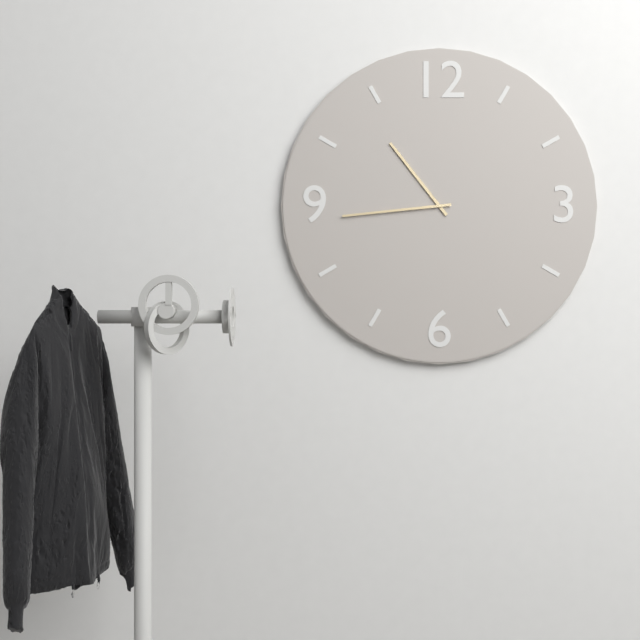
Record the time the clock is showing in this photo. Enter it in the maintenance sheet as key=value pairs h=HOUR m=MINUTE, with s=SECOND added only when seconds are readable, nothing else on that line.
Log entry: h=10 m=44
